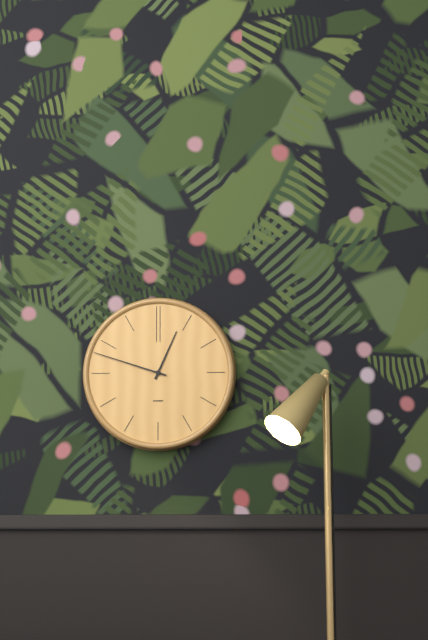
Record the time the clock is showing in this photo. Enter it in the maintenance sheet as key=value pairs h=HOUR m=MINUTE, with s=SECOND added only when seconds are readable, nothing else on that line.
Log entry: h=12 m=48
